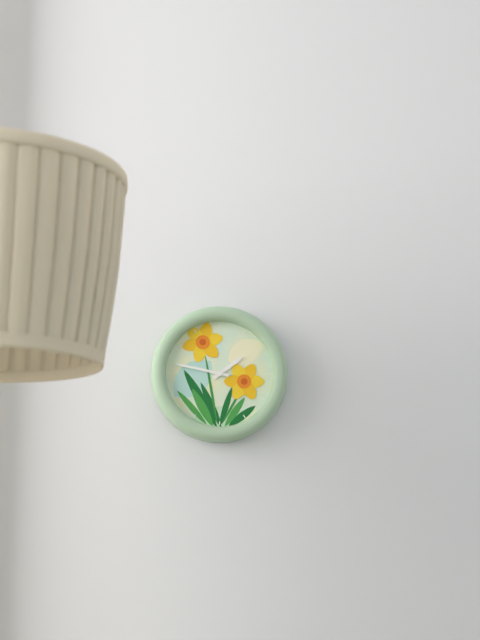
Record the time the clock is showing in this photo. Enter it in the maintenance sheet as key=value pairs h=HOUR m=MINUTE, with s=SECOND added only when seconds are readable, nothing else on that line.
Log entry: h=1 m=47
